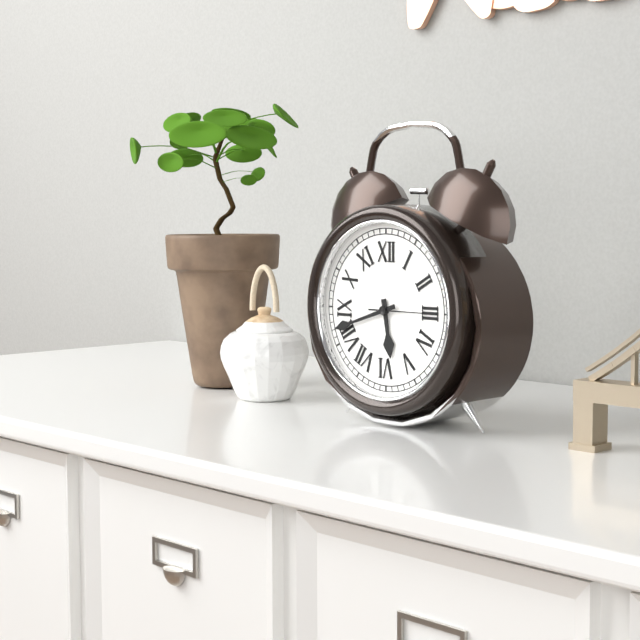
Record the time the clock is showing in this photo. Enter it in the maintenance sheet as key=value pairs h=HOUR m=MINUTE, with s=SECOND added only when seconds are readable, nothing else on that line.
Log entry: h=5 m=42 s=15
